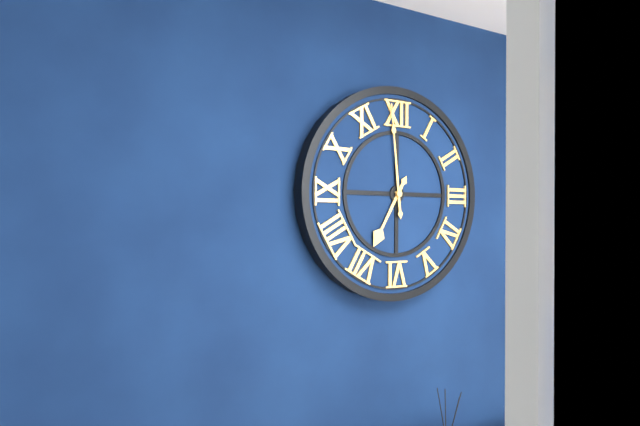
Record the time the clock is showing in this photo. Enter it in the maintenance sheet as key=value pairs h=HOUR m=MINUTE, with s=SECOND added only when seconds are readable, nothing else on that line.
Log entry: h=6 m=59
